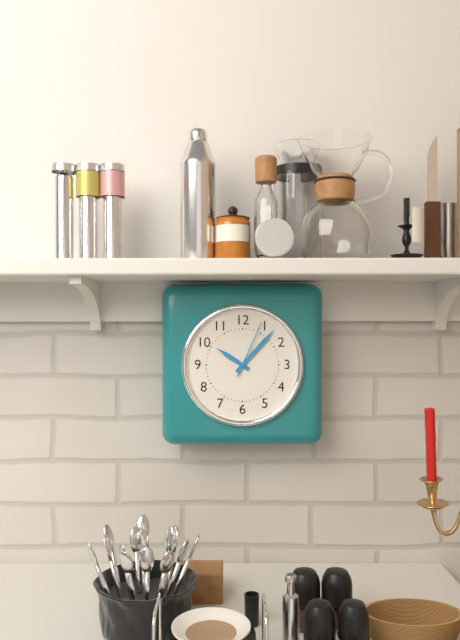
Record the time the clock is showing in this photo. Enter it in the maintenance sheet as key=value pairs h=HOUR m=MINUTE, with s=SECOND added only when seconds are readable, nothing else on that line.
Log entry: h=10 m=7 s=4
